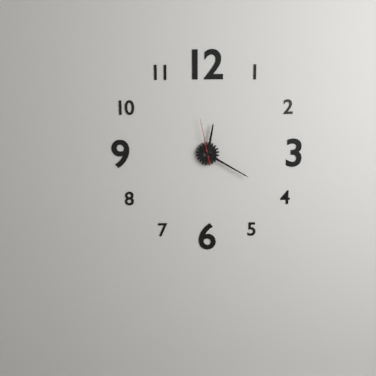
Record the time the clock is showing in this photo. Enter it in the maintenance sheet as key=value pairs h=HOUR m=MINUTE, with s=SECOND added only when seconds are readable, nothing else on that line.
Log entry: h=12 m=20
